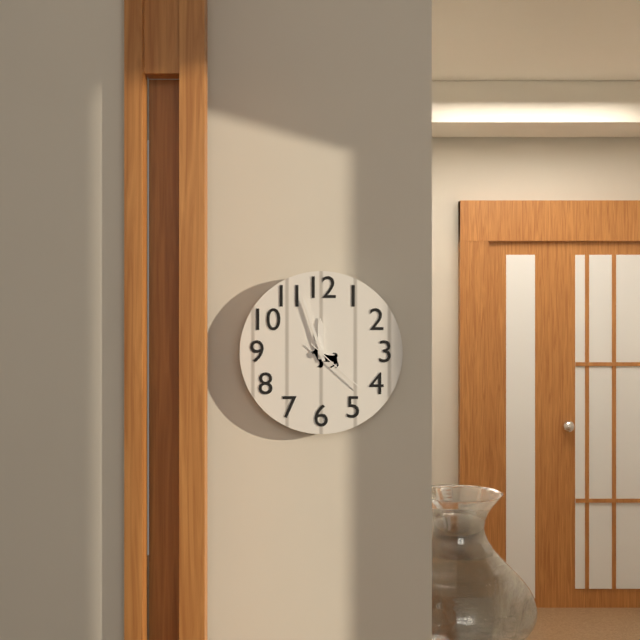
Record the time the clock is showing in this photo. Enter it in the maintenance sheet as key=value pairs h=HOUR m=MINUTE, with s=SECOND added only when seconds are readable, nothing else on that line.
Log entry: h=11 m=57 s=22
